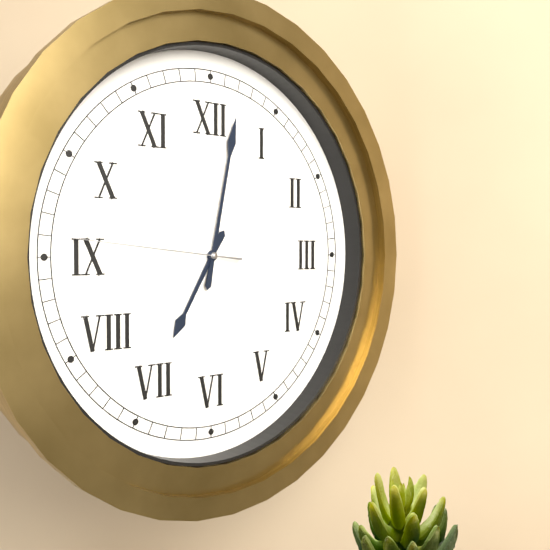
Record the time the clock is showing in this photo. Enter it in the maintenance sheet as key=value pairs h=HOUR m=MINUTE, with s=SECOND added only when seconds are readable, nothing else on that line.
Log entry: h=7 m=2 s=46
